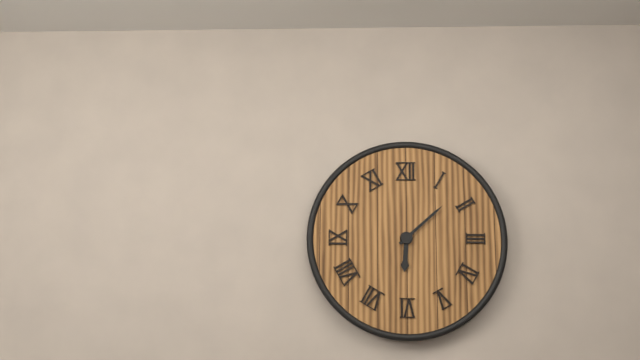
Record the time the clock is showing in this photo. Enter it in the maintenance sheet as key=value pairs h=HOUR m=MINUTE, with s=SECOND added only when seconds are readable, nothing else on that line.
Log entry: h=6 m=8
